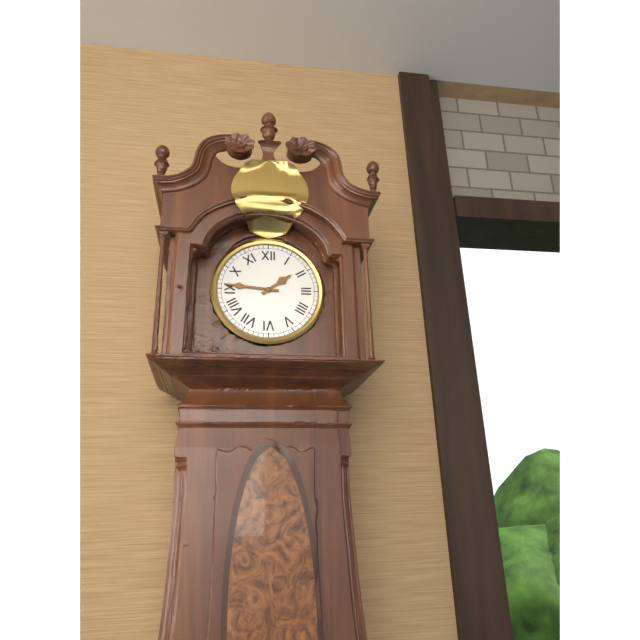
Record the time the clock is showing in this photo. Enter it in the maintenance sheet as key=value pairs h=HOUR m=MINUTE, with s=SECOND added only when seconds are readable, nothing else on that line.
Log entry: h=1 m=46
